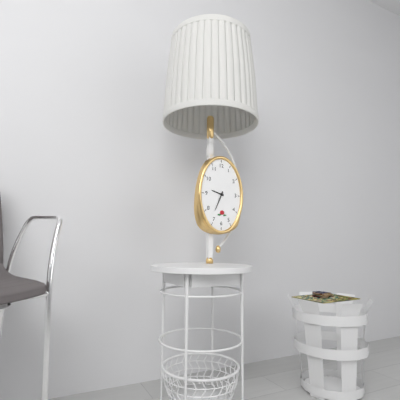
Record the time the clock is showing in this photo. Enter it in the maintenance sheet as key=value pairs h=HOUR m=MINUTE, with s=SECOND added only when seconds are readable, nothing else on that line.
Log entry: h=9 m=34
